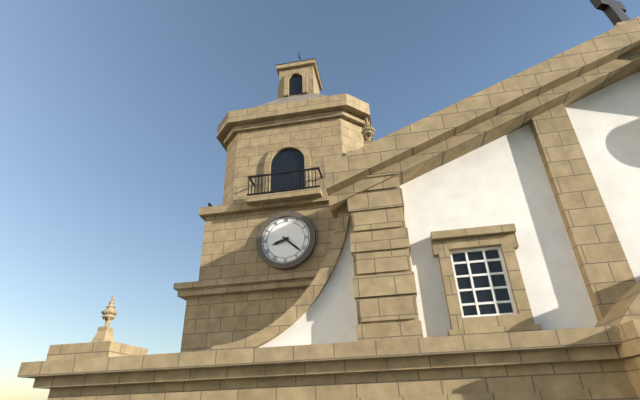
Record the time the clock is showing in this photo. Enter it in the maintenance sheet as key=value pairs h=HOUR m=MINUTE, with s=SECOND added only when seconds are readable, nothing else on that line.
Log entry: h=8 m=22
